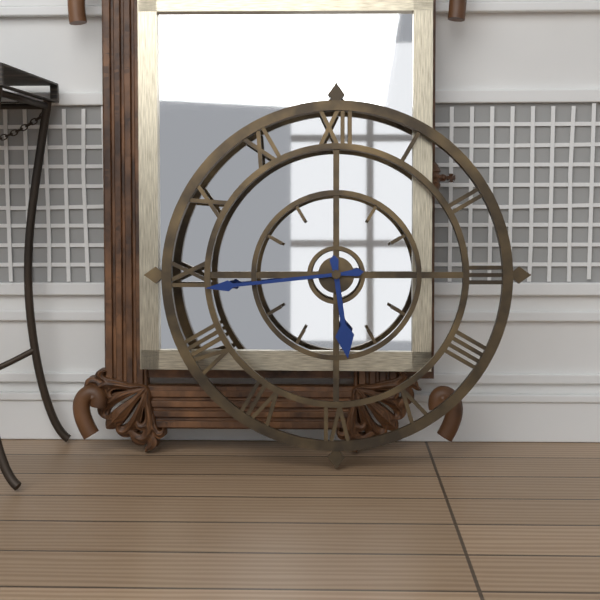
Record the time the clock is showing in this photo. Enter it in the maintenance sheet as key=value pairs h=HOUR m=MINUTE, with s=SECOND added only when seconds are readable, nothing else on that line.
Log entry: h=5 m=44
